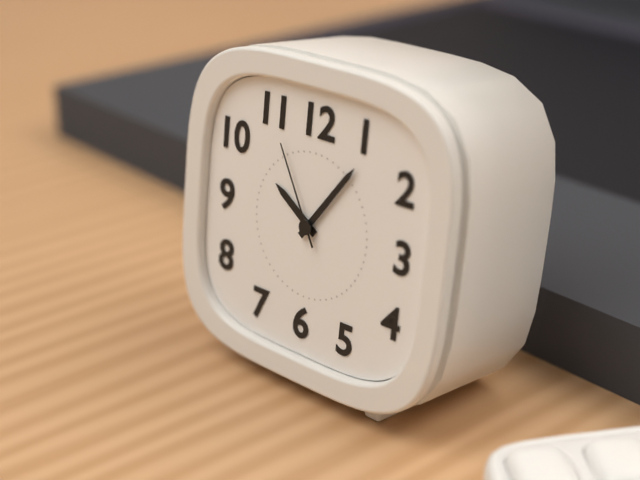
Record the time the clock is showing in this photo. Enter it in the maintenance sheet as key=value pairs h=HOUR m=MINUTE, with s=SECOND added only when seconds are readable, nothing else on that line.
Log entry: h=10 m=6 s=55
